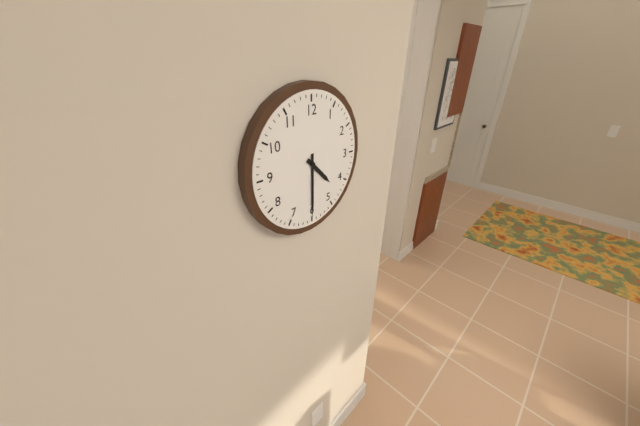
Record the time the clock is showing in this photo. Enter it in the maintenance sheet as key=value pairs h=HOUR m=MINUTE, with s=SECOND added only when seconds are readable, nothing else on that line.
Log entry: h=4 m=30
